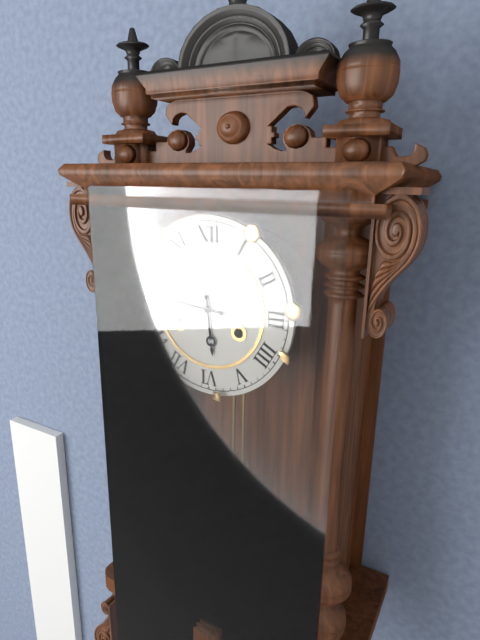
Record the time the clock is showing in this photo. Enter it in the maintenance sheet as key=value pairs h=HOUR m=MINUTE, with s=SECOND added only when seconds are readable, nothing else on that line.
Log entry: h=5 m=46
